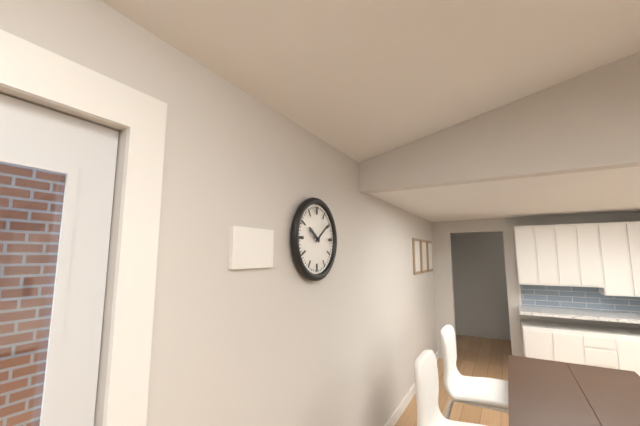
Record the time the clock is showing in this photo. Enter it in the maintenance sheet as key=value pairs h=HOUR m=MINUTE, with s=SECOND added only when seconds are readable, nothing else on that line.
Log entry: h=10 m=9
